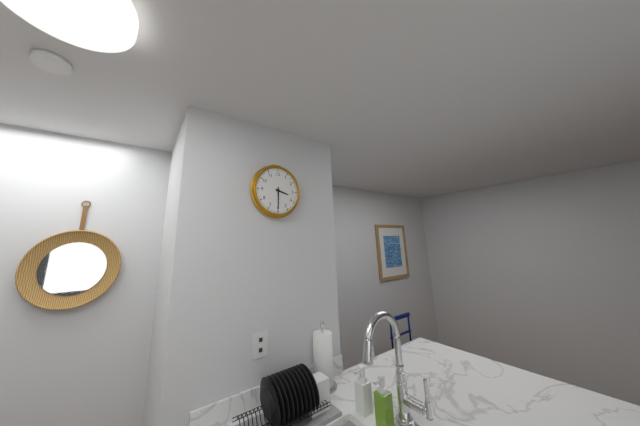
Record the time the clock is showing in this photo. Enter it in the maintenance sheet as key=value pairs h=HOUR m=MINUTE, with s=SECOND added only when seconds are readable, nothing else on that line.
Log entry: h=3 m=30
